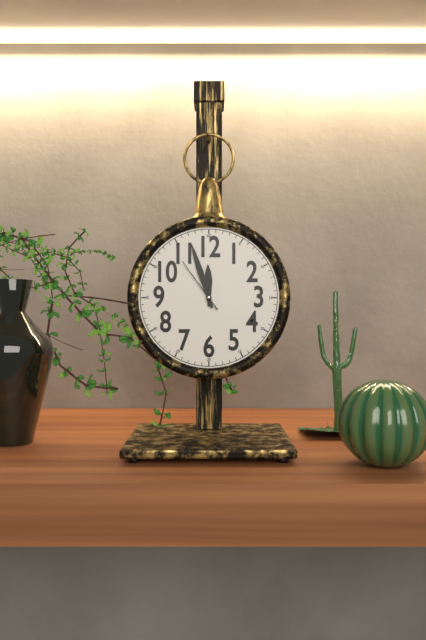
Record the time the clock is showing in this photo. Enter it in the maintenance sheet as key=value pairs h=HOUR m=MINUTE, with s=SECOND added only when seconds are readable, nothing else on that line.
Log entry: h=11 m=57 s=54
